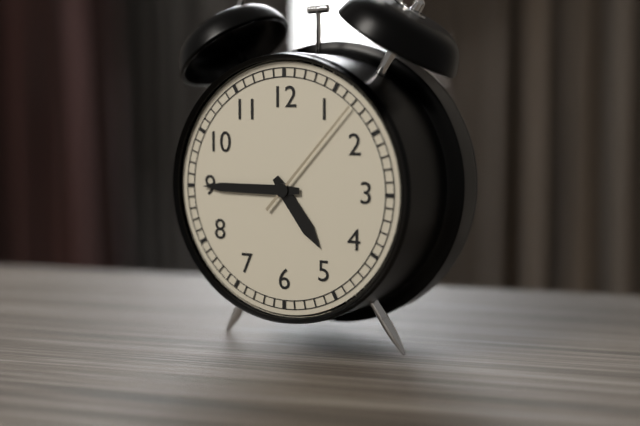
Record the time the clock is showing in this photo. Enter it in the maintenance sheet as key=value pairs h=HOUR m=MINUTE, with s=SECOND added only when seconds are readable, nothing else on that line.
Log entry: h=4 m=45 s=7
